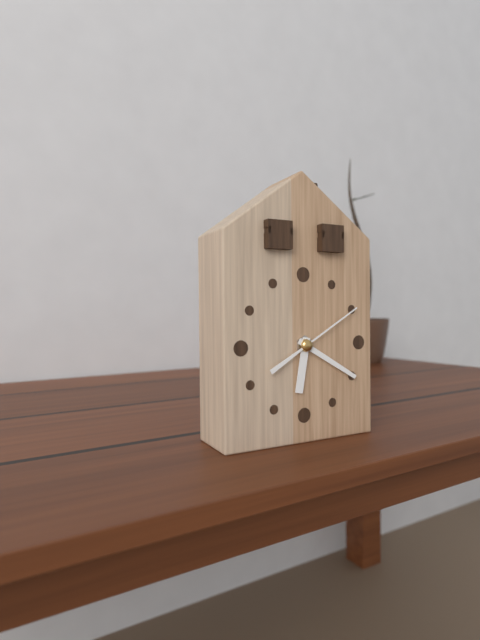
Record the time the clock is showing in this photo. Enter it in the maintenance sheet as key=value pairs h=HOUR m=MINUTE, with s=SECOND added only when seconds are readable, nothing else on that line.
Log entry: h=6 m=20 s=10
